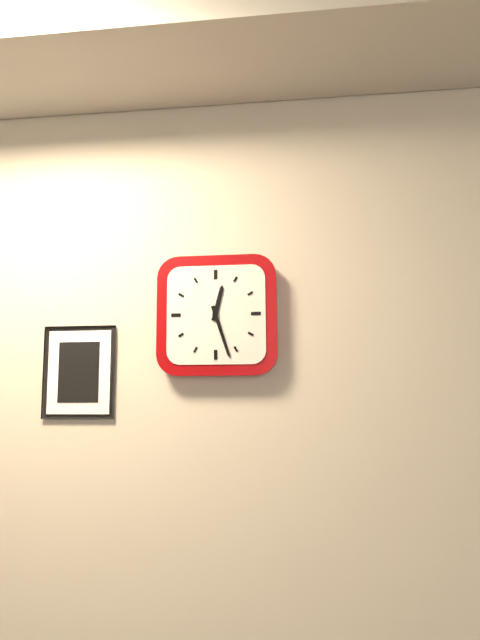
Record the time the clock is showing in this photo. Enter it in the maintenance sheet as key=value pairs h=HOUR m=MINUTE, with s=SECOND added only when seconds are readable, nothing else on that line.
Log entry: h=12 m=27
